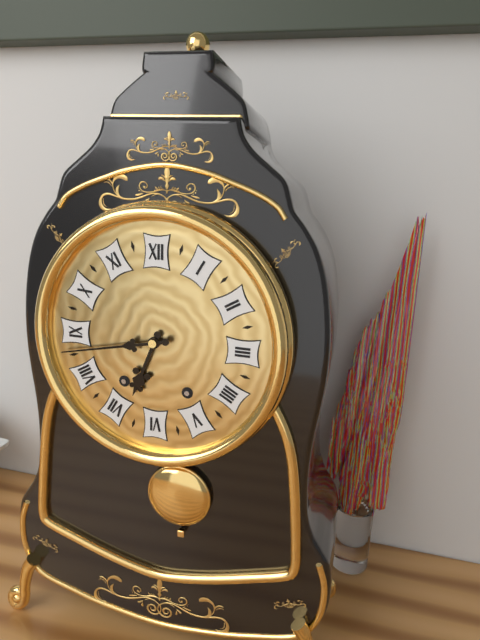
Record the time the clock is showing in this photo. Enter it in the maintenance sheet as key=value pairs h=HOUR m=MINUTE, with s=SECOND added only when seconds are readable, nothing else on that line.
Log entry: h=6 m=43
